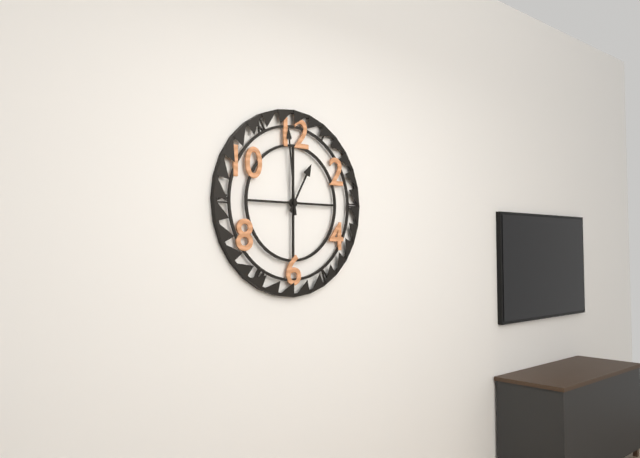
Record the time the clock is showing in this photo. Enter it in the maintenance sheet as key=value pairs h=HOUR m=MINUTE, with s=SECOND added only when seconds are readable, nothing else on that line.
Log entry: h=12 m=59
